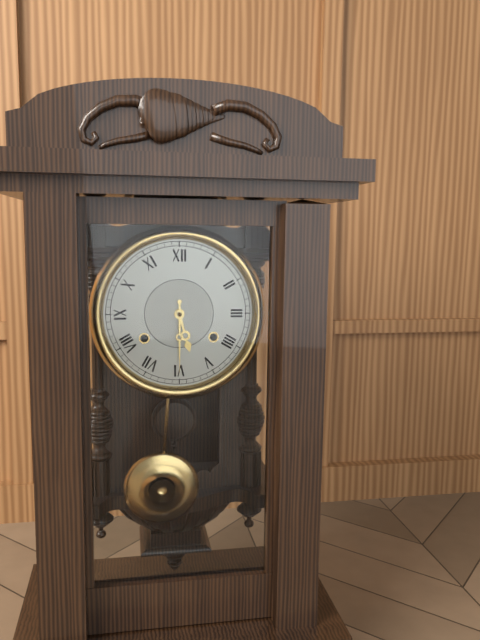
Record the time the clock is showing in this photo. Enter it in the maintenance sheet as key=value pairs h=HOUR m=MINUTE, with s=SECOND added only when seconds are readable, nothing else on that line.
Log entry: h=5 m=30
